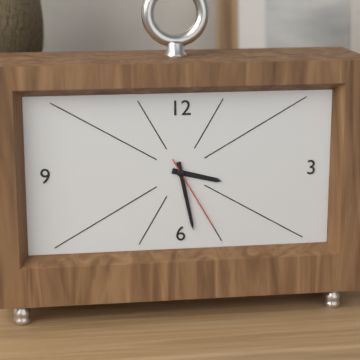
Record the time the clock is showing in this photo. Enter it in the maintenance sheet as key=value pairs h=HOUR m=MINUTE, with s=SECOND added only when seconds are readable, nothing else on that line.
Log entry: h=3 m=28 s=25
